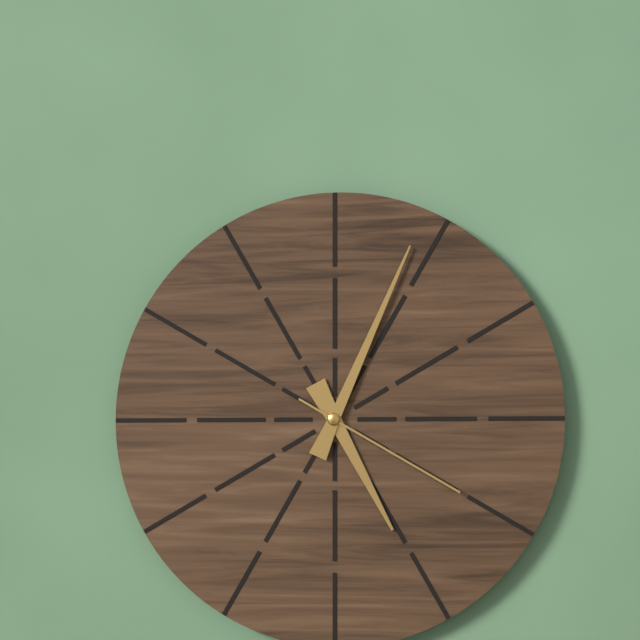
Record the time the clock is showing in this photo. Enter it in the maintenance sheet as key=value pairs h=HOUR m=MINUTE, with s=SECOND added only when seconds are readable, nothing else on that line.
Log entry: h=5 m=4 s=20
